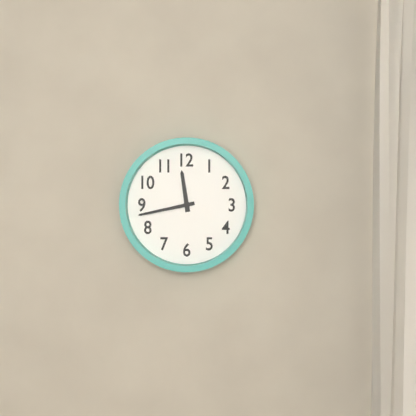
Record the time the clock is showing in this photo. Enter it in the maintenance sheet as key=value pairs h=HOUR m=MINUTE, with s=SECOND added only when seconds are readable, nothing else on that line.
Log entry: h=11 m=43
